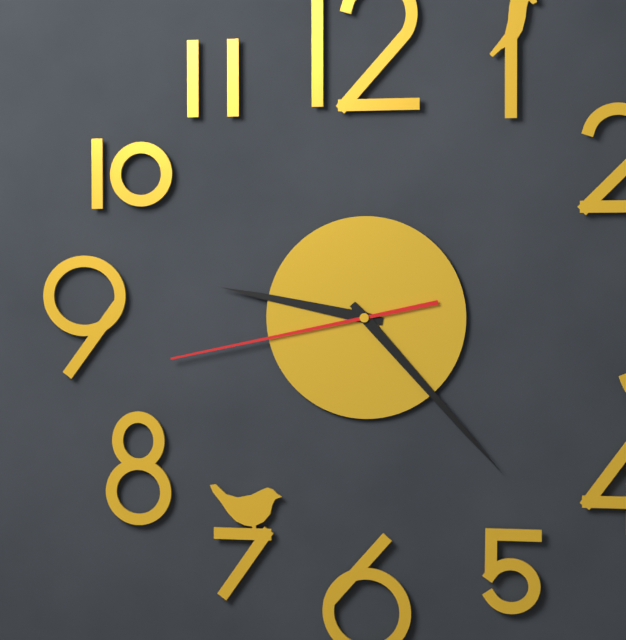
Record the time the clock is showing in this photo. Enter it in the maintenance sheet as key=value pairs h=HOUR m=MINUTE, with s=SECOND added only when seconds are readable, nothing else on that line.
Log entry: h=9 m=23 s=43
